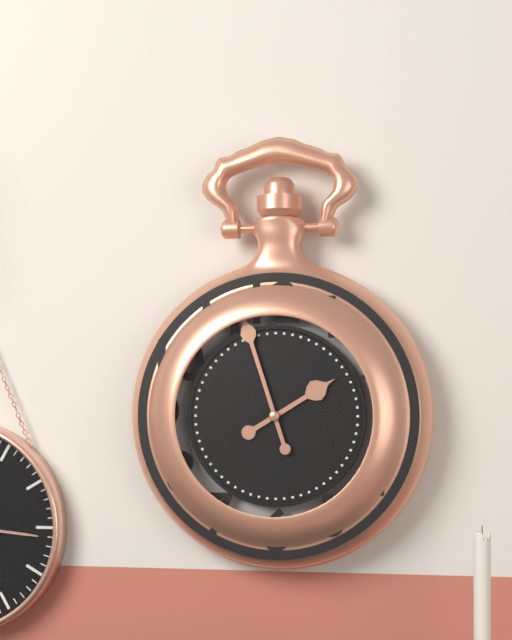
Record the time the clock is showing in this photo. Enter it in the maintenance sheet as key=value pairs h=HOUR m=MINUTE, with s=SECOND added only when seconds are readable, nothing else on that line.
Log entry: h=1 m=57
